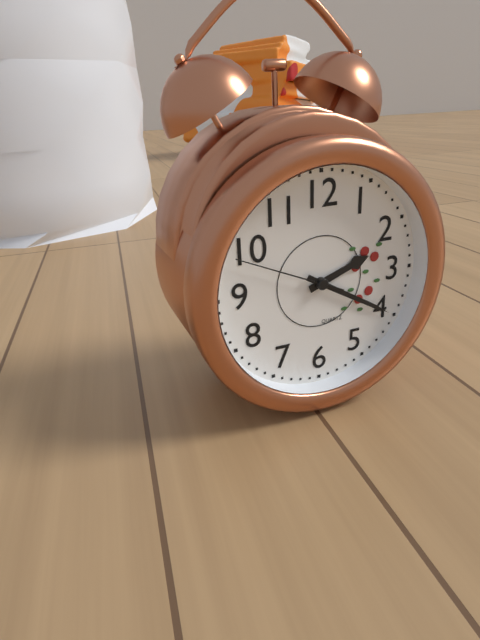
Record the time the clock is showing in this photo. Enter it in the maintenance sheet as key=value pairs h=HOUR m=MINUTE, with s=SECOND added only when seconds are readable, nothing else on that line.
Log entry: h=2 m=20 s=49
